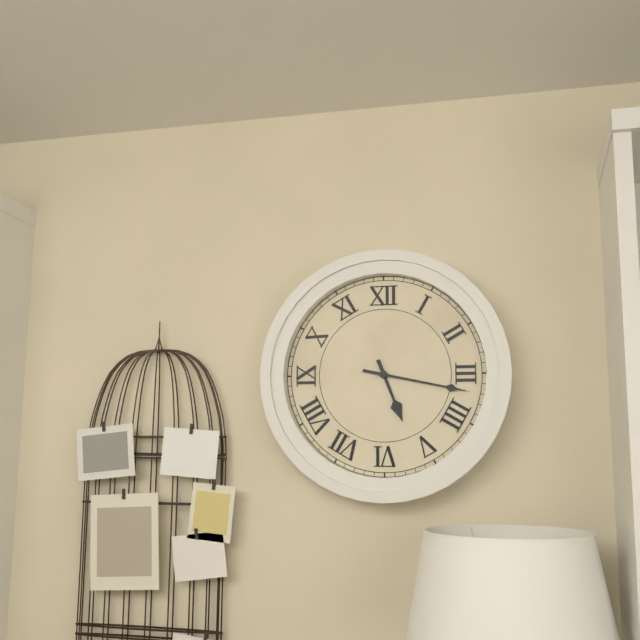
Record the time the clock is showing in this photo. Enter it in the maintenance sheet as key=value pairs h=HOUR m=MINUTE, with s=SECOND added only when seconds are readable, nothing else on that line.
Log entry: h=5 m=17
